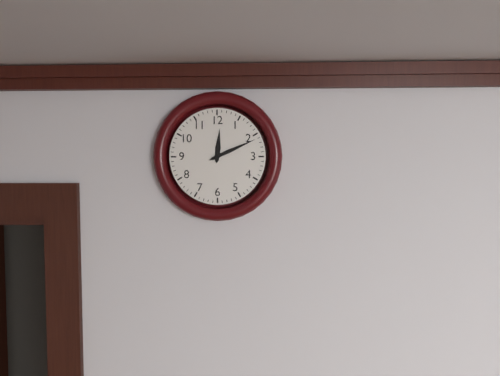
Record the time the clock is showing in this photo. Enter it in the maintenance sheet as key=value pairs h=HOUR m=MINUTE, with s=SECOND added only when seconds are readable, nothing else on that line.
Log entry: h=12 m=11
